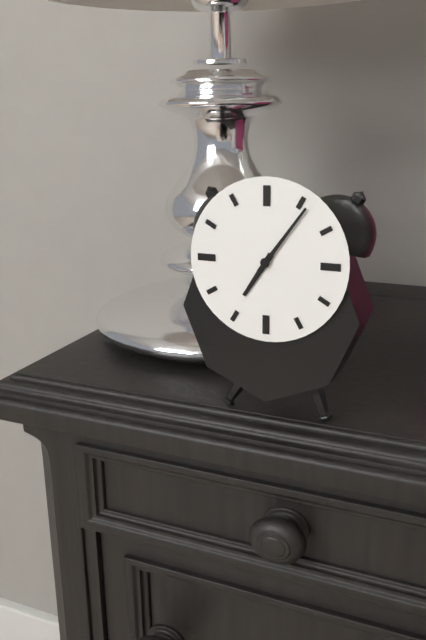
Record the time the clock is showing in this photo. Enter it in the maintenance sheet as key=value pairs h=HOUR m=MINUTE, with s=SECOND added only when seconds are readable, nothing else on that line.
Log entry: h=7 m=6
